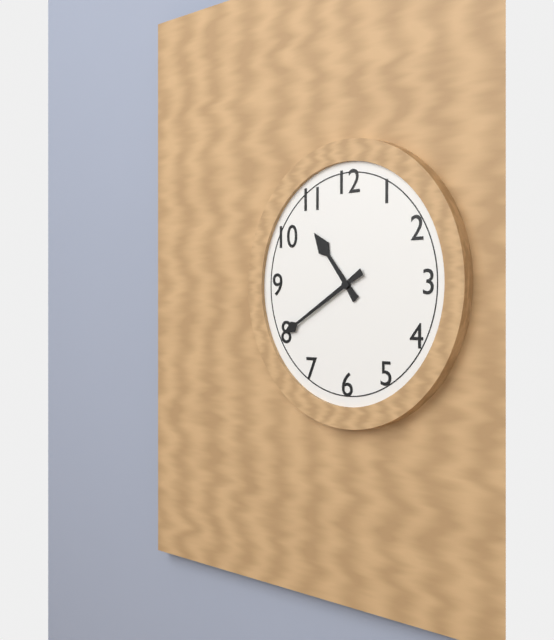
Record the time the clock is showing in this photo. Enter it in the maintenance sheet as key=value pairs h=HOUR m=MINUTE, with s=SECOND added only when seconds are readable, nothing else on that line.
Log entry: h=10 m=40
